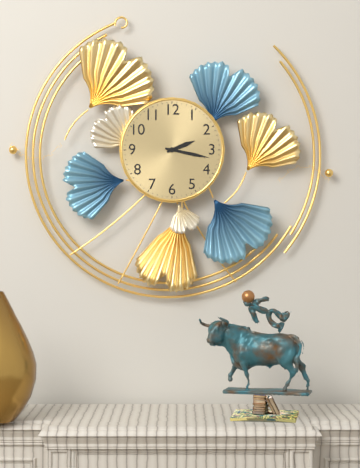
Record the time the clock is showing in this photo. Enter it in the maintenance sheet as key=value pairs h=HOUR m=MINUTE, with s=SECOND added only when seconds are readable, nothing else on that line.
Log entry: h=2 m=17
